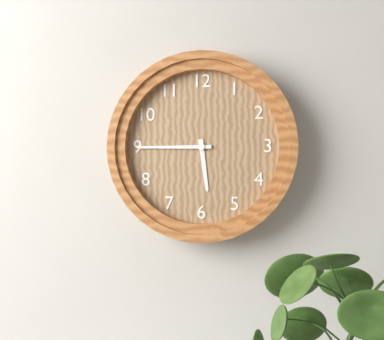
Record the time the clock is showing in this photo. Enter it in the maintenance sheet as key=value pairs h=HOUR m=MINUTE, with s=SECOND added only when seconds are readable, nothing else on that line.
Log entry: h=5 m=45
